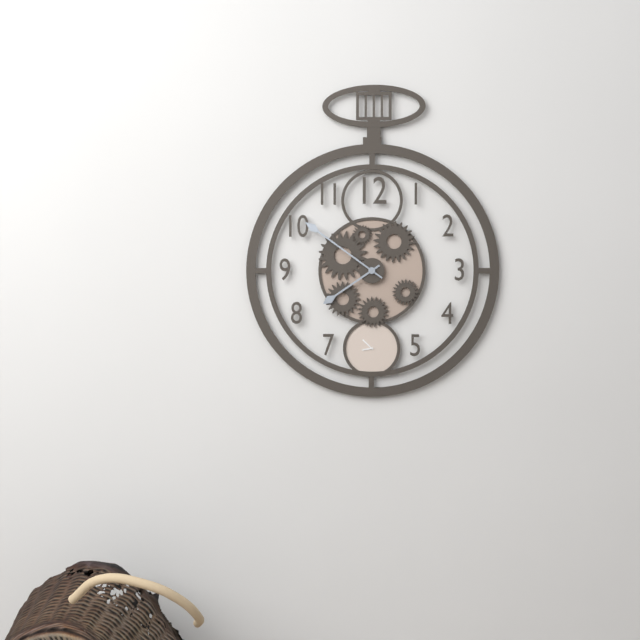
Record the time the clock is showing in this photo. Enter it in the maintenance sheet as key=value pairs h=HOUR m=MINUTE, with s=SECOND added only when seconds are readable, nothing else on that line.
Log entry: h=7 m=51
